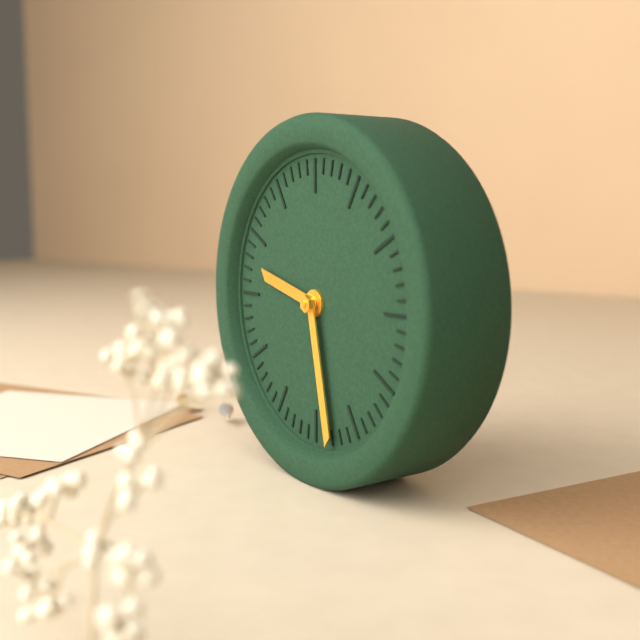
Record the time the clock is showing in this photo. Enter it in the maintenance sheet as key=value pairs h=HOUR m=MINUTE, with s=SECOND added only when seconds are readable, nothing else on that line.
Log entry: h=9 m=28
